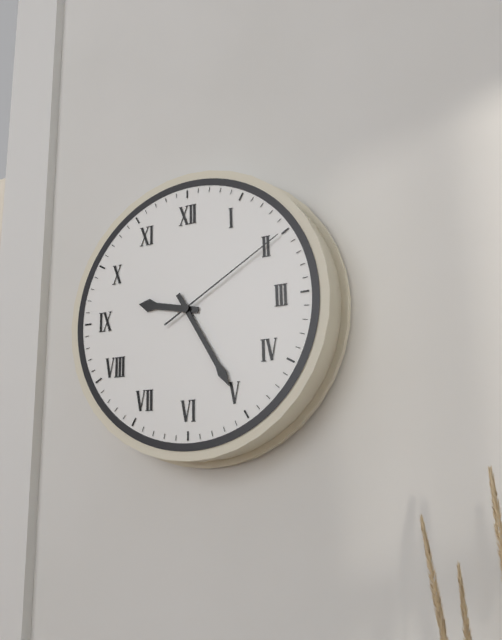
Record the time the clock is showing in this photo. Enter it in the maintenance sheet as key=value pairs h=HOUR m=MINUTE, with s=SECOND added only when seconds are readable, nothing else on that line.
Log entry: h=9 m=25 s=10
